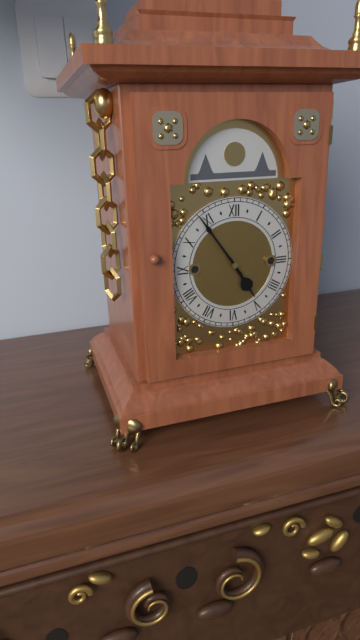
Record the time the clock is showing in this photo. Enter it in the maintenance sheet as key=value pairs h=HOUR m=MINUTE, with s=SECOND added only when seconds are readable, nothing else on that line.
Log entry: h=4 m=54
